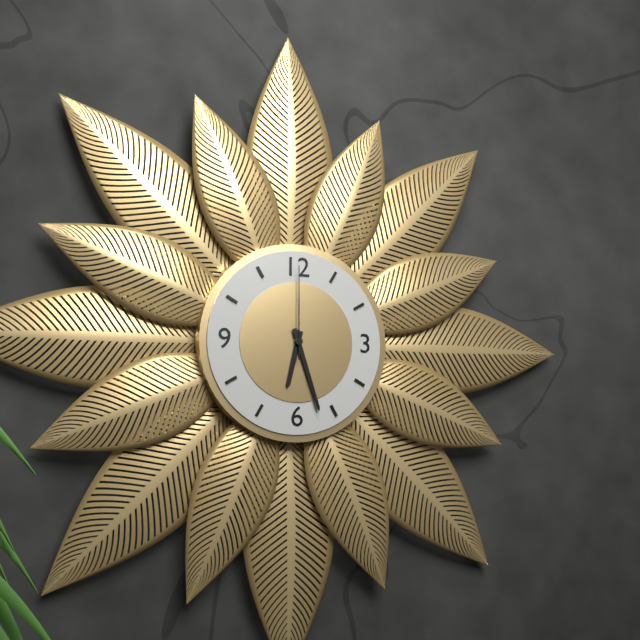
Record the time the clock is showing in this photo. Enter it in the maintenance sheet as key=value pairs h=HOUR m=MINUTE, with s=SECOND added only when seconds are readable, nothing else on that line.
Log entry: h=6 m=27 s=0
